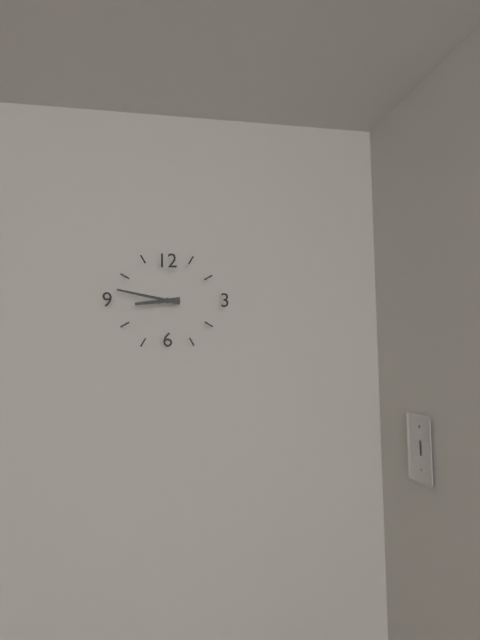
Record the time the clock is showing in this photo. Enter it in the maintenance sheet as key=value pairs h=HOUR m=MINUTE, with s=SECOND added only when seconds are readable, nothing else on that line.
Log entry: h=8 m=47
